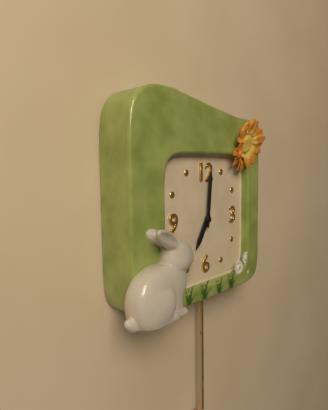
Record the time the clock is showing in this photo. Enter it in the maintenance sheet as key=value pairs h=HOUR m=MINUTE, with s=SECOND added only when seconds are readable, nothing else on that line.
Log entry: h=7 m=1
